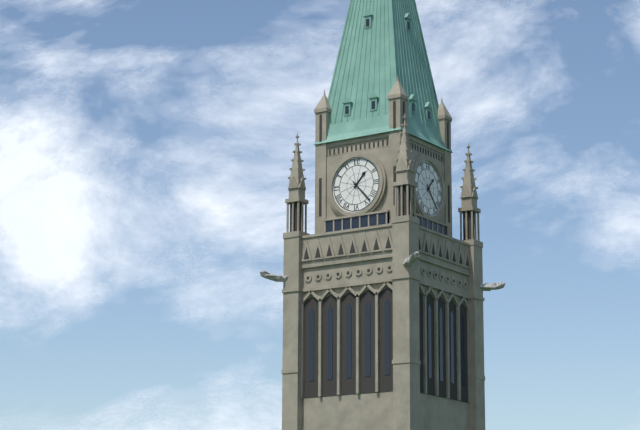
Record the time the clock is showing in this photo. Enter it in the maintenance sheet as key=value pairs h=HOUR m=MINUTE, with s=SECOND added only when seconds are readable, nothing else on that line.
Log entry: h=1 m=23
